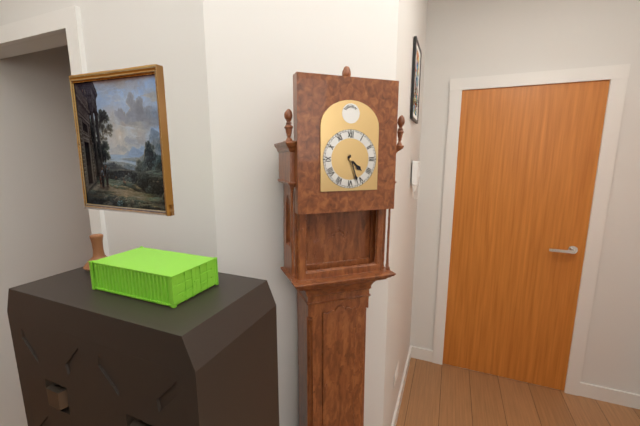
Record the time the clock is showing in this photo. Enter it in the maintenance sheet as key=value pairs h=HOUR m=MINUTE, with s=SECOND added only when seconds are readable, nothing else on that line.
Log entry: h=4 m=27
